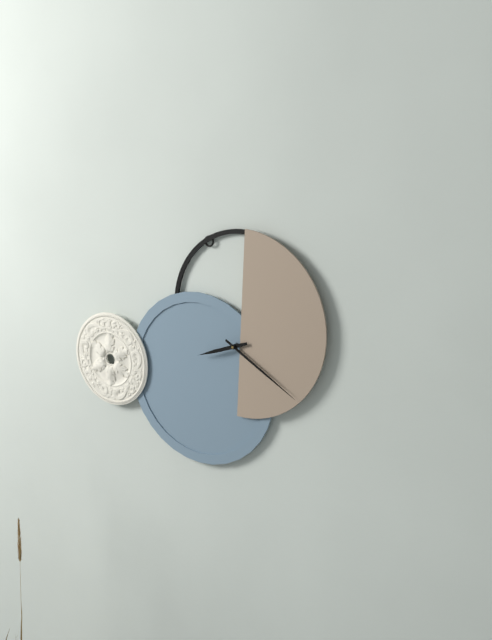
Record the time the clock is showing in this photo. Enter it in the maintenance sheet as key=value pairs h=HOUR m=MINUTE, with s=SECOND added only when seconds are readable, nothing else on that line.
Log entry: h=8 m=20
